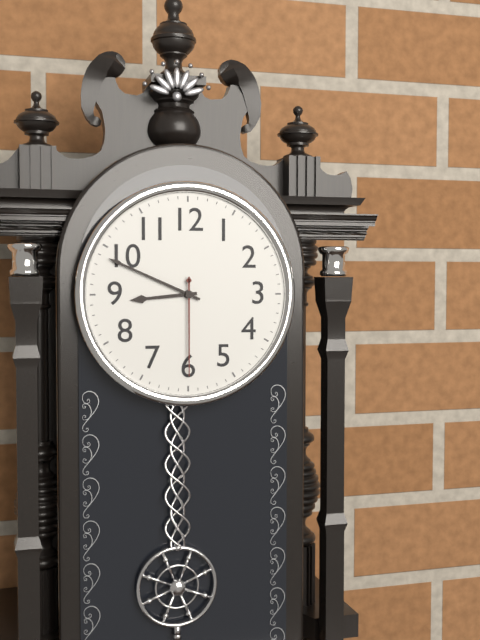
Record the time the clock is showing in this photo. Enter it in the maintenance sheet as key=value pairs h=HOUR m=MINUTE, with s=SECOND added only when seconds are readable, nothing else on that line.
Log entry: h=8 m=49 s=30
